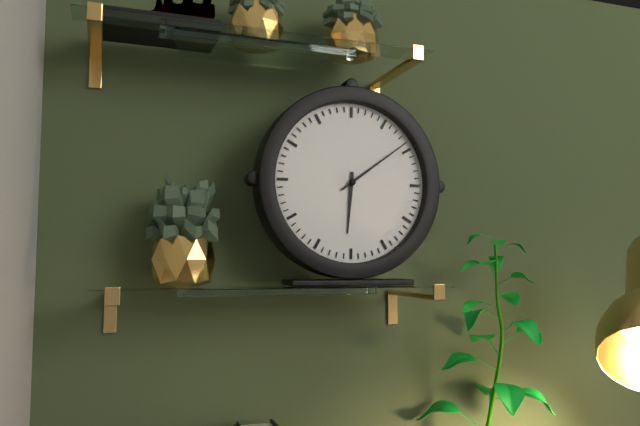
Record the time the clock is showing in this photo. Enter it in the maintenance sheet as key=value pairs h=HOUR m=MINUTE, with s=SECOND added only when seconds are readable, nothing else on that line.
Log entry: h=6 m=9
